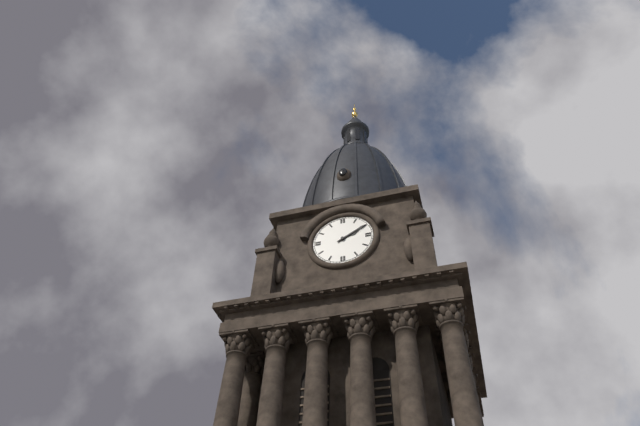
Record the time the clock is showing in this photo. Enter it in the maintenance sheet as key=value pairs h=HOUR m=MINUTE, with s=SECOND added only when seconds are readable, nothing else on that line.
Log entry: h=2 m=10
